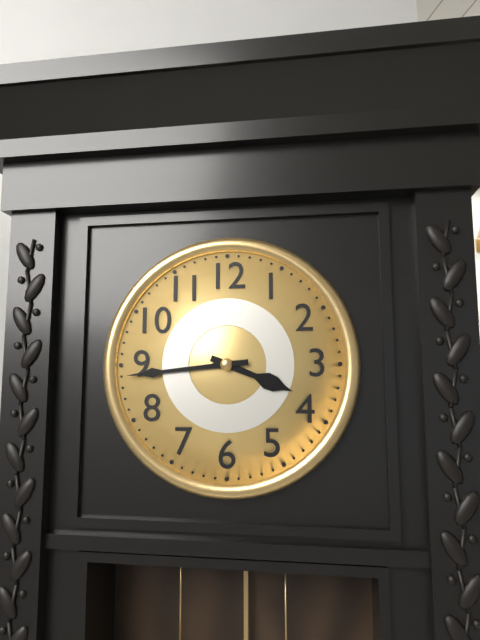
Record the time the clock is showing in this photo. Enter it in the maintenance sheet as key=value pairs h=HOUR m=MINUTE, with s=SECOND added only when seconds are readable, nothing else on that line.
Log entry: h=3 m=44
